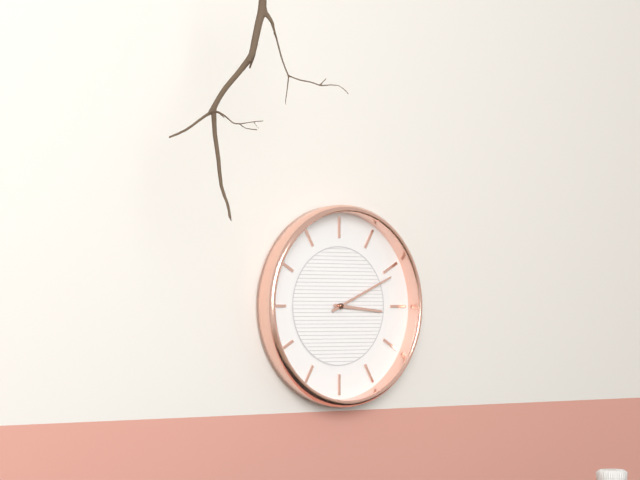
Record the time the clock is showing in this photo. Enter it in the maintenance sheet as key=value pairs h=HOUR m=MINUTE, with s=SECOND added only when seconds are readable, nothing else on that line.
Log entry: h=3 m=11
